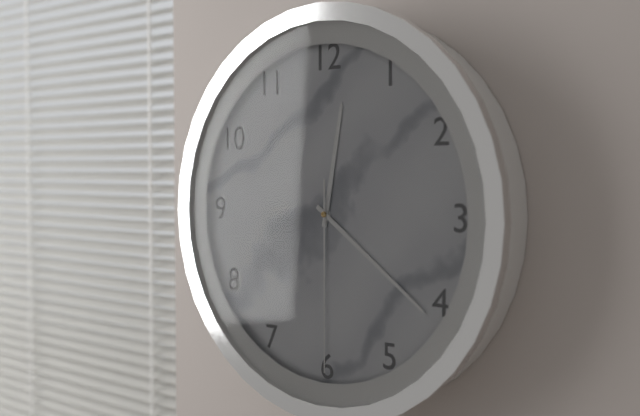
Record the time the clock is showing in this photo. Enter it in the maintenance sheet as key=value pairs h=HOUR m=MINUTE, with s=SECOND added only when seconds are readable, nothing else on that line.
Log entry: h=12 m=21 s=30
